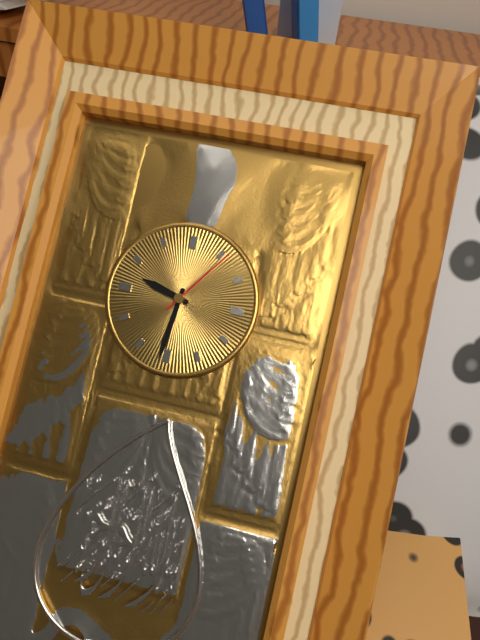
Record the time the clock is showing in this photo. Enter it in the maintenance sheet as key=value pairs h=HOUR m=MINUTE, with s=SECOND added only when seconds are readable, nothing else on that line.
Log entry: h=9 m=31 s=6
